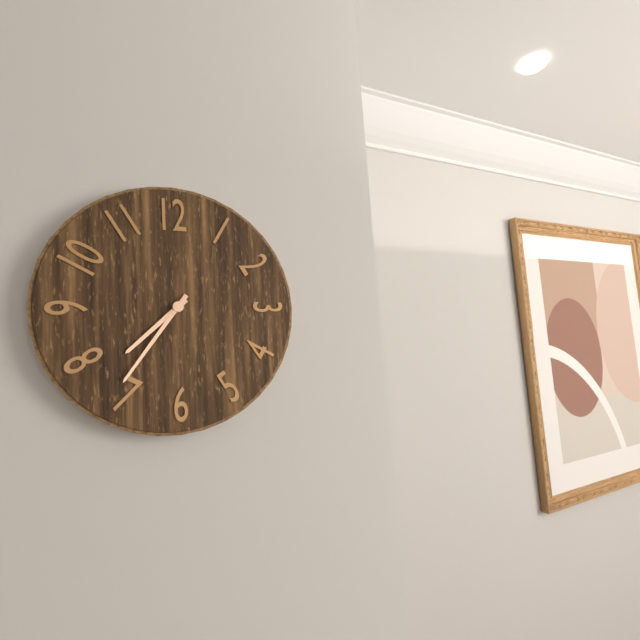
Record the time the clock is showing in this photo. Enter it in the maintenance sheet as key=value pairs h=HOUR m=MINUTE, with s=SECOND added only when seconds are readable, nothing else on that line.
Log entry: h=7 m=36
